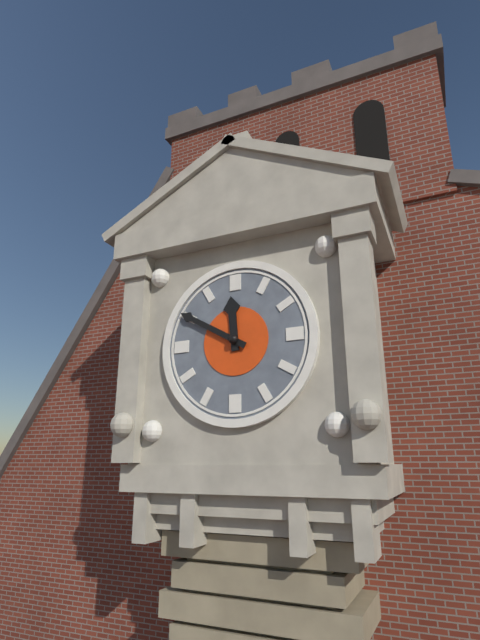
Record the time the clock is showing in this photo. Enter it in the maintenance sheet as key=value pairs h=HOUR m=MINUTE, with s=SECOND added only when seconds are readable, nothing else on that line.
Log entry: h=11 m=50
